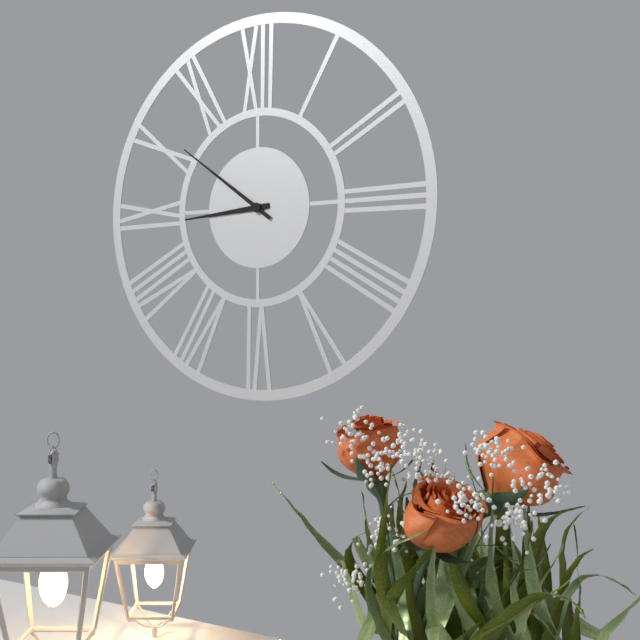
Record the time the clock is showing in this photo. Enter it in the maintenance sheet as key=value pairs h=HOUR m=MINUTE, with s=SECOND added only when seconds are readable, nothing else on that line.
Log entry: h=8 m=51
